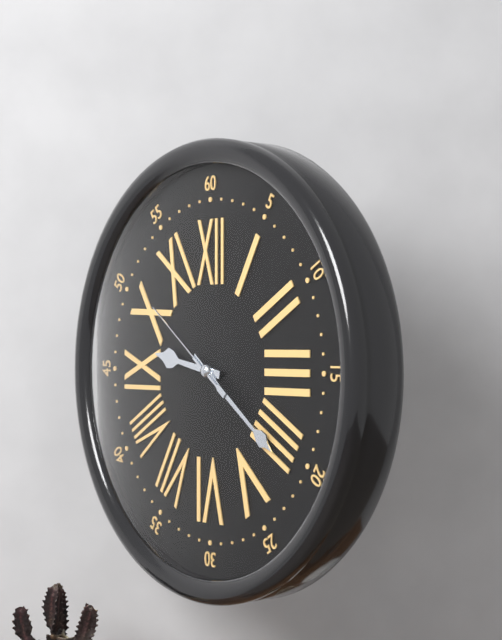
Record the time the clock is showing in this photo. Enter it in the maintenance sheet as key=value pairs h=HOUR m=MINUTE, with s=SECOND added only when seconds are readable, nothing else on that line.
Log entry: h=9 m=21 s=51
